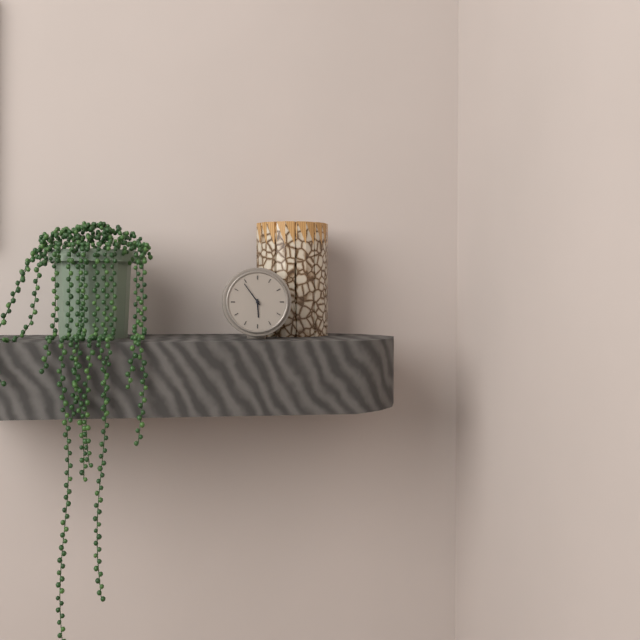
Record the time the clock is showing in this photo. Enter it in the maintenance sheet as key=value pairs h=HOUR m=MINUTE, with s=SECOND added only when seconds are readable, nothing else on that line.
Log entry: h=5 m=54
